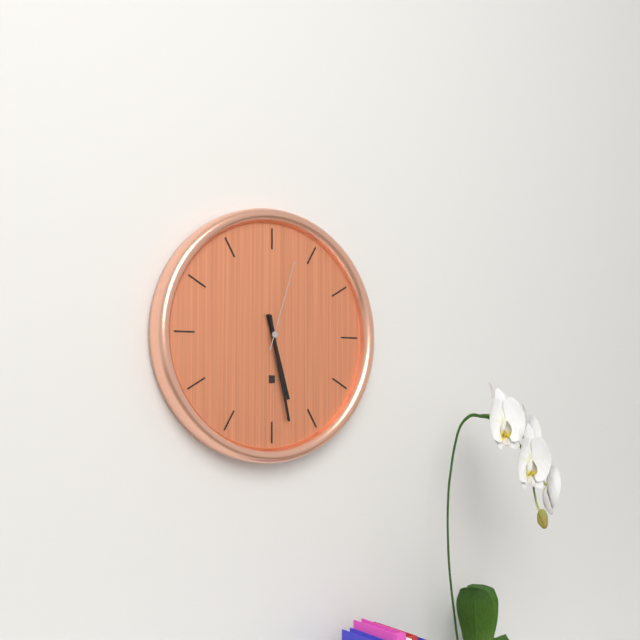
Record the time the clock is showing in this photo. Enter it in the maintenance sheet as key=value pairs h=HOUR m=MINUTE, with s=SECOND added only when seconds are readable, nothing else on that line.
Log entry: h=5 m=28 s=3
